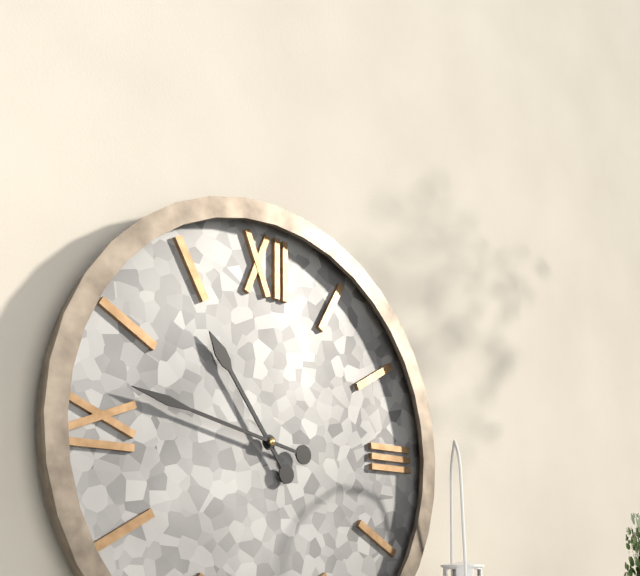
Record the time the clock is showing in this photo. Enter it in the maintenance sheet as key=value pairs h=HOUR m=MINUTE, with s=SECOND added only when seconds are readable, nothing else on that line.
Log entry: h=10 m=47
